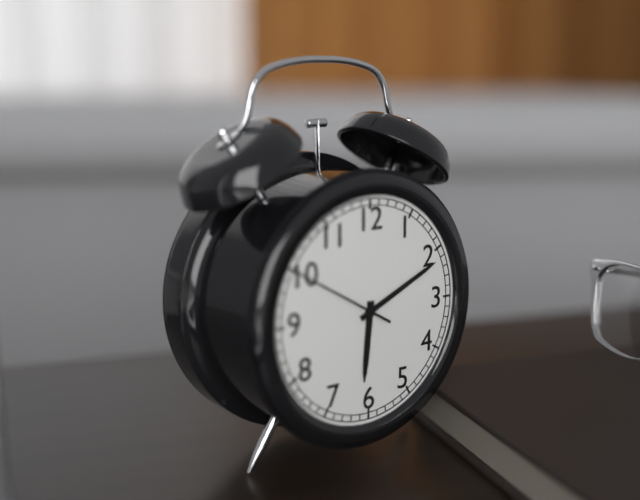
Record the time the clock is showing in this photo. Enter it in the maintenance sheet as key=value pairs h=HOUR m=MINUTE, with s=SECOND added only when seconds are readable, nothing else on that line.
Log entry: h=6 m=11 s=50
